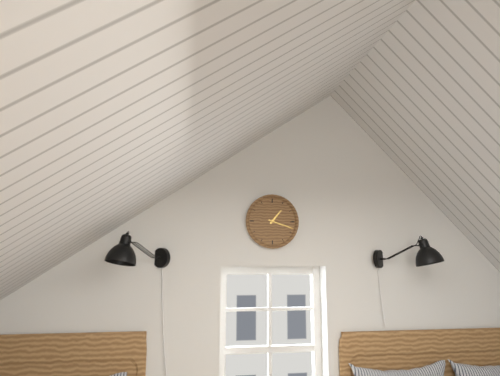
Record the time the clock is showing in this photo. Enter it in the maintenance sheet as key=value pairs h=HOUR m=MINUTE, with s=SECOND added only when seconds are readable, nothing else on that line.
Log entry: h=1 m=18
